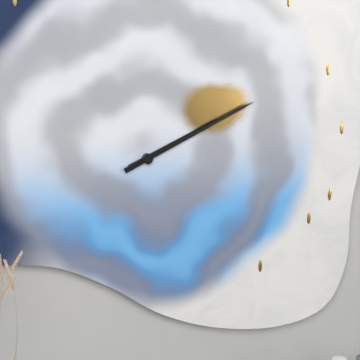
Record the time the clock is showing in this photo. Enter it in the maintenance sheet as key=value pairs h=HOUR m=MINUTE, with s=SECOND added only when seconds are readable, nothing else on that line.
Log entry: h=2 m=11
